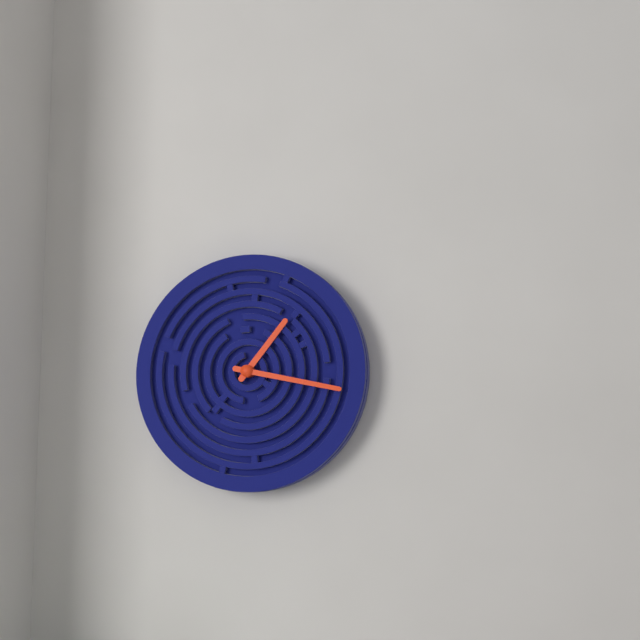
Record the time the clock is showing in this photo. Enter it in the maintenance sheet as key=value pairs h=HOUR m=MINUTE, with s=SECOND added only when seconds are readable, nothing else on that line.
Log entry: h=1 m=17
